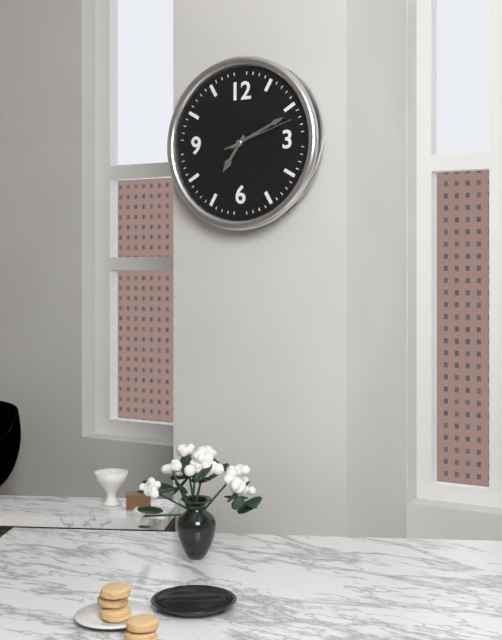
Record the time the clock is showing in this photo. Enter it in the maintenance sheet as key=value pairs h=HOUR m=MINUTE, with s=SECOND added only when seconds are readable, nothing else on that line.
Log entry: h=7 m=11 s=12
